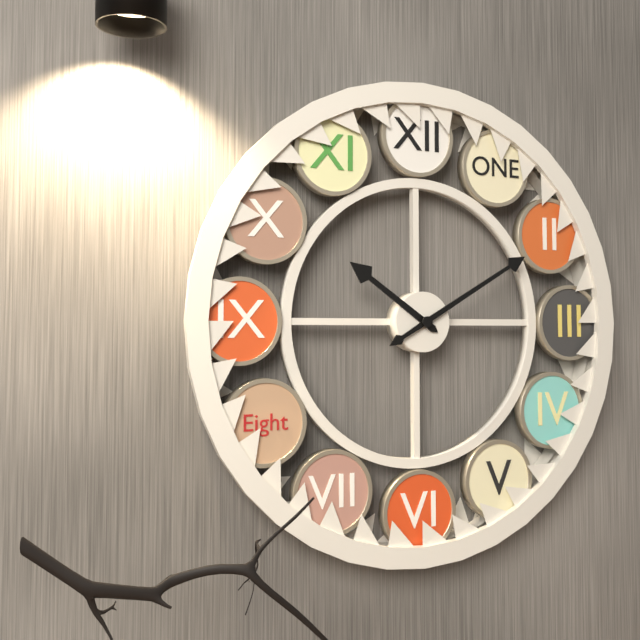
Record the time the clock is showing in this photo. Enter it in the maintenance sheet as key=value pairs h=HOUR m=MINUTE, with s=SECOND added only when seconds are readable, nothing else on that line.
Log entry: h=10 m=10
